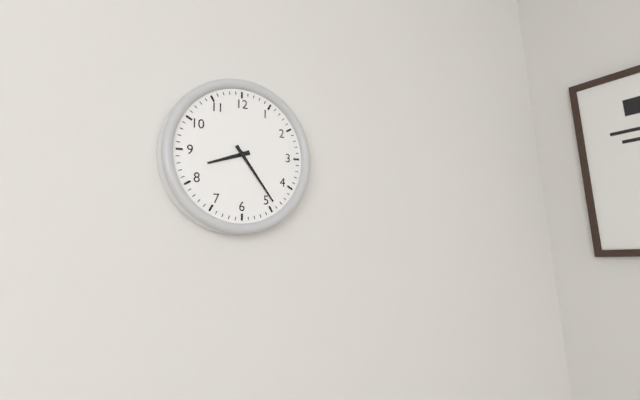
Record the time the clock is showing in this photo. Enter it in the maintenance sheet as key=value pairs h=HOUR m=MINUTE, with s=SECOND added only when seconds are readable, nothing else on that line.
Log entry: h=8 m=24
